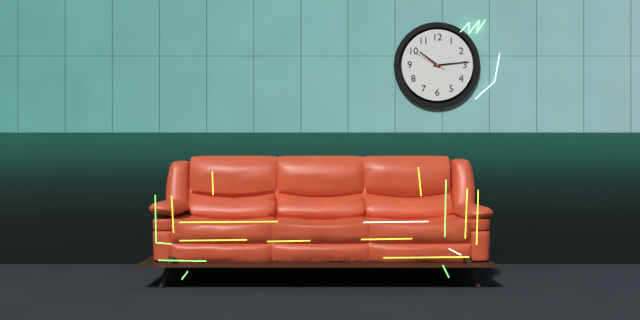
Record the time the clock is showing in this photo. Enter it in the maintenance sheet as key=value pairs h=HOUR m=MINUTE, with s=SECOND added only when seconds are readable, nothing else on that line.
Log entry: h=10 m=14
